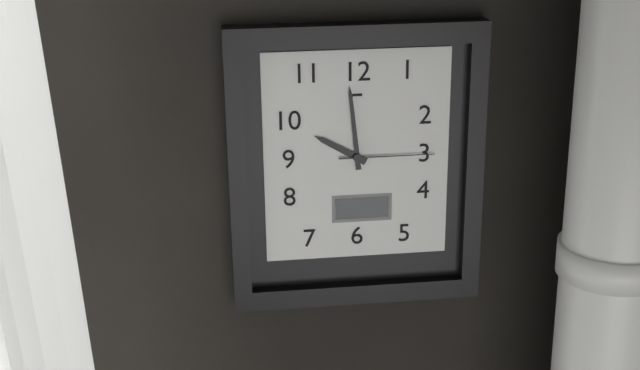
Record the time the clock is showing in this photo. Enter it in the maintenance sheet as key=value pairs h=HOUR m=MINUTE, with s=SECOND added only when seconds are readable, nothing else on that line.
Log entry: h=9 m=59 s=15
